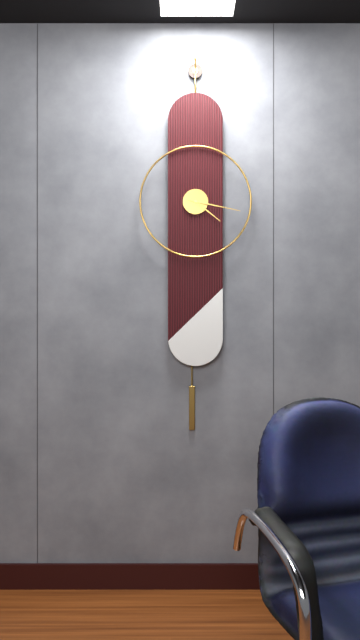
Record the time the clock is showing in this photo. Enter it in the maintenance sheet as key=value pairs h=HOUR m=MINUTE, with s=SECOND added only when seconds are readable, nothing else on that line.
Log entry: h=4 m=17
